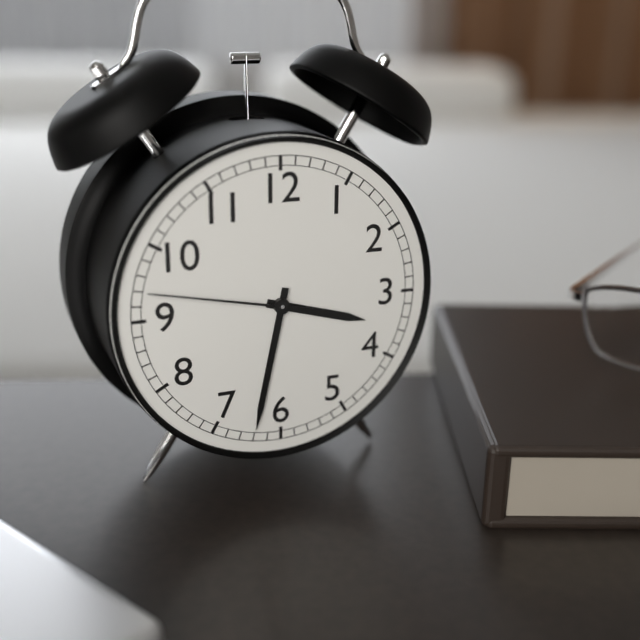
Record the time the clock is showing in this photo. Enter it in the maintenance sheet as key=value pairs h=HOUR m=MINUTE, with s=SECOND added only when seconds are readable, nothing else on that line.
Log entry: h=3 m=32 s=47
